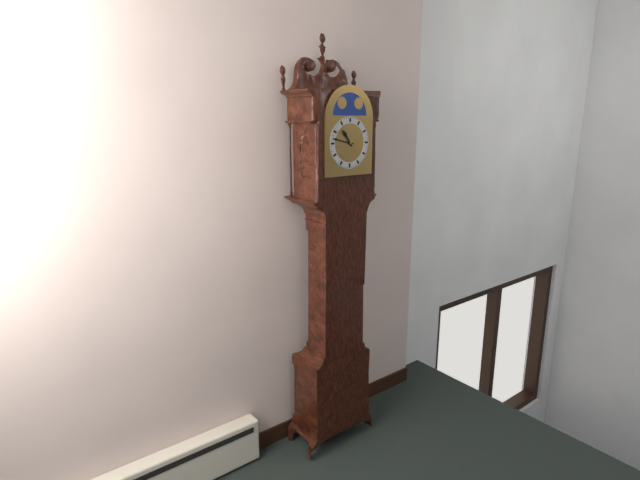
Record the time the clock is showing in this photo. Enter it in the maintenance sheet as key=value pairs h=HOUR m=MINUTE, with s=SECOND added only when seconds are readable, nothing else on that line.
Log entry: h=10 m=47
